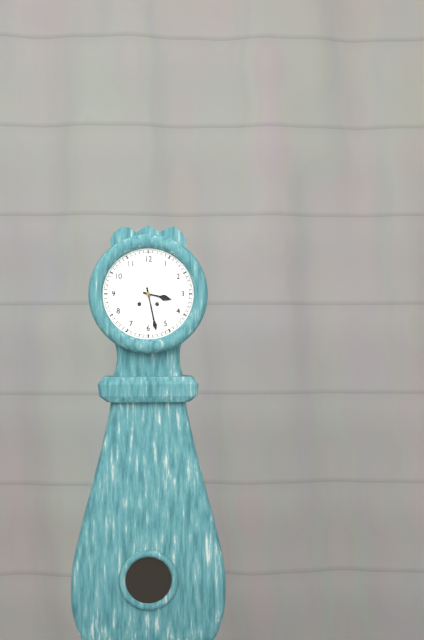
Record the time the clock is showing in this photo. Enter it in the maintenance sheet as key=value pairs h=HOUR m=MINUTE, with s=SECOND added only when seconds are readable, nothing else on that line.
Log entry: h=3 m=28
